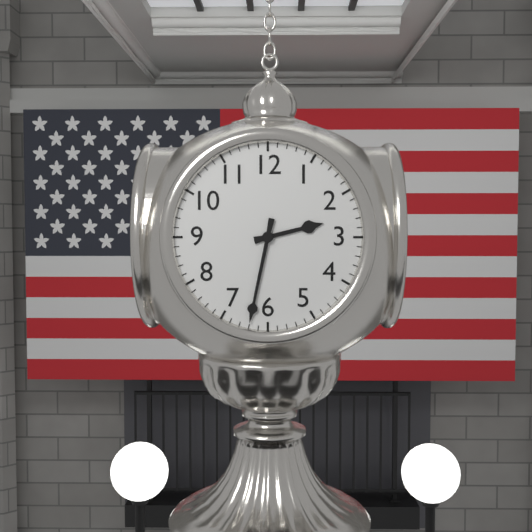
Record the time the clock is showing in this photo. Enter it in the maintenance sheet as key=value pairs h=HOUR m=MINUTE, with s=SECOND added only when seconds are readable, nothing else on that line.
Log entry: h=2 m=32
